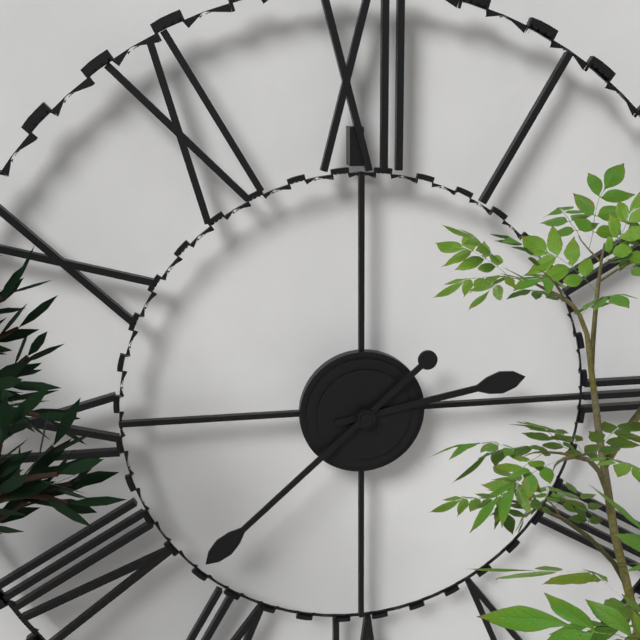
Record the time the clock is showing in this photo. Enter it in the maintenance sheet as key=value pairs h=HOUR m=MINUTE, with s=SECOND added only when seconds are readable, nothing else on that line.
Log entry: h=2 m=38
